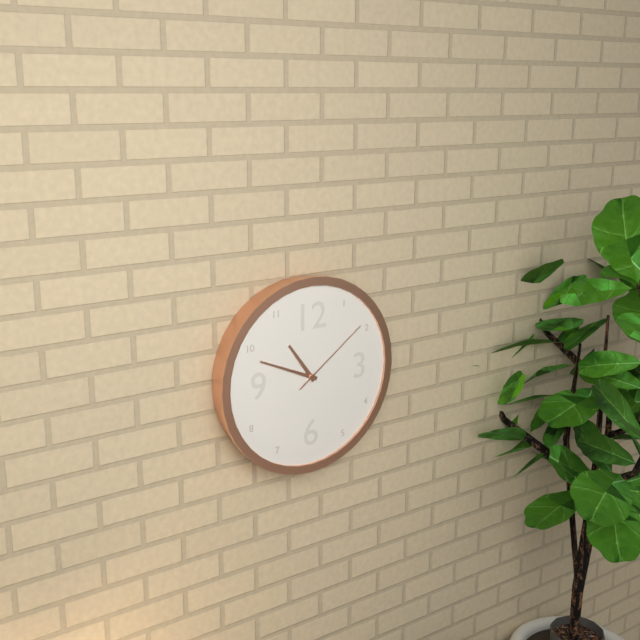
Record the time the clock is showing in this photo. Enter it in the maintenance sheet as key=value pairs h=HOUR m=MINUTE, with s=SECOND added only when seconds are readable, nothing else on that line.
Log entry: h=10 m=49 s=9
